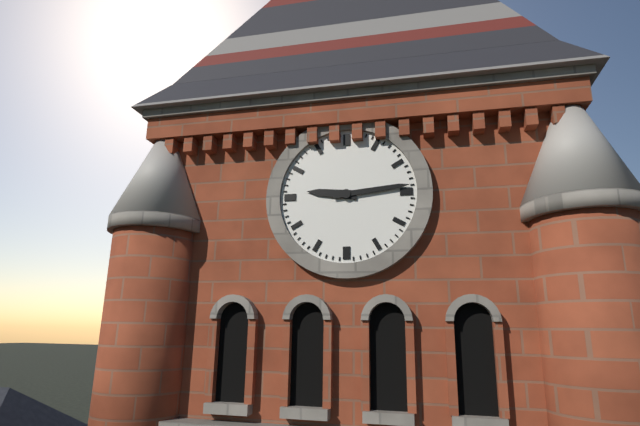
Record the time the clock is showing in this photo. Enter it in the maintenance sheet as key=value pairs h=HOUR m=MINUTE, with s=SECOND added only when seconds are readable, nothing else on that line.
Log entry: h=9 m=14
